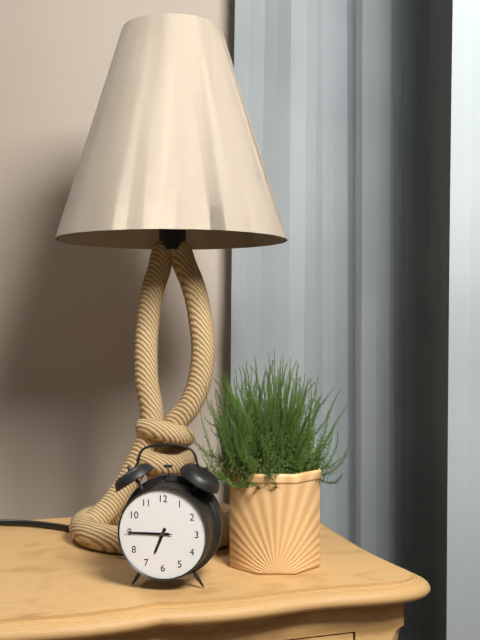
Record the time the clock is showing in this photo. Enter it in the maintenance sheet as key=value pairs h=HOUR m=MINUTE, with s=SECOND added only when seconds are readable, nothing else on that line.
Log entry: h=6 m=45
